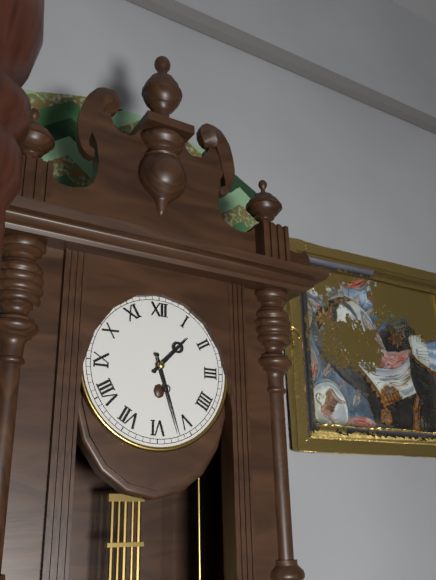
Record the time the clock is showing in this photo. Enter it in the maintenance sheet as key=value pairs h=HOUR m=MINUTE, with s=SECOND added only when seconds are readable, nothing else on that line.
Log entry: h=1 m=27
